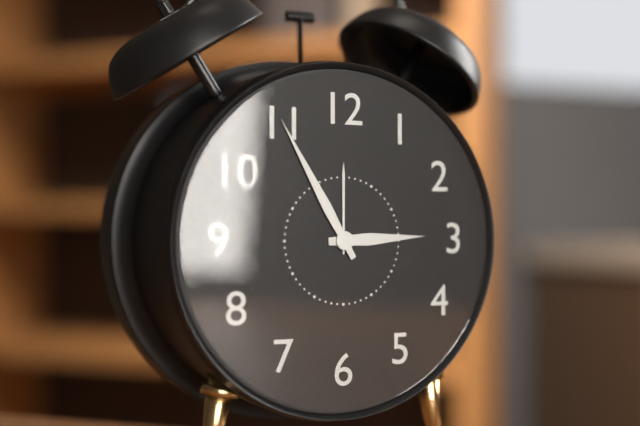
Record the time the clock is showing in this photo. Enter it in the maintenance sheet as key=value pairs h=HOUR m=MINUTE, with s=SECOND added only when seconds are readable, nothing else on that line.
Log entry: h=2 m=55
